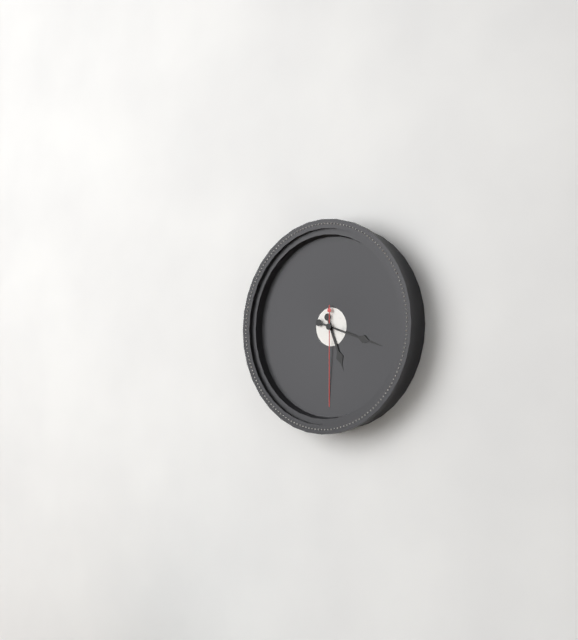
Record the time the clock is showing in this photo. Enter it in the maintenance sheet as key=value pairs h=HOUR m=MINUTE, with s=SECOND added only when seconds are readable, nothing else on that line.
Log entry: h=5 m=18 s=30
